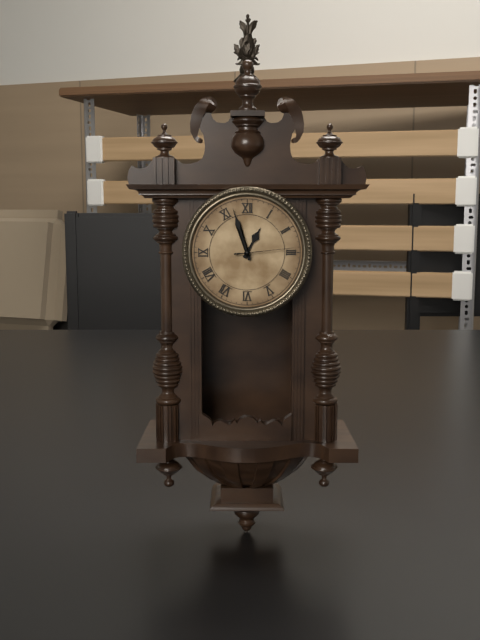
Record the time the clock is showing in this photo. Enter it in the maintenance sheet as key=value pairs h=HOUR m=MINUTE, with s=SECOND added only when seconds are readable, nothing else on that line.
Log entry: h=12 m=57 s=14
